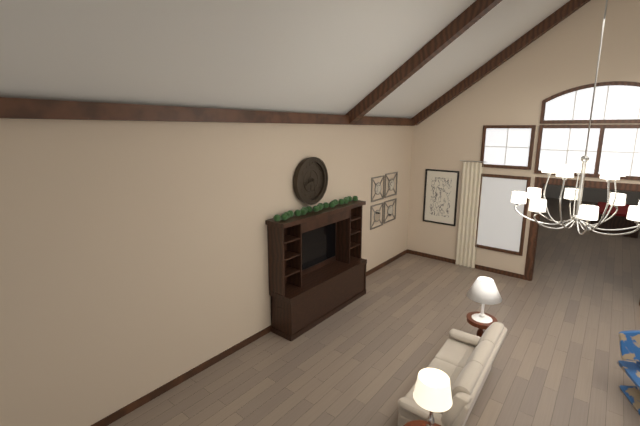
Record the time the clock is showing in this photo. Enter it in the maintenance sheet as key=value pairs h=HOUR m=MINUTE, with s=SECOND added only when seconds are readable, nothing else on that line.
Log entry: h=8 m=29
